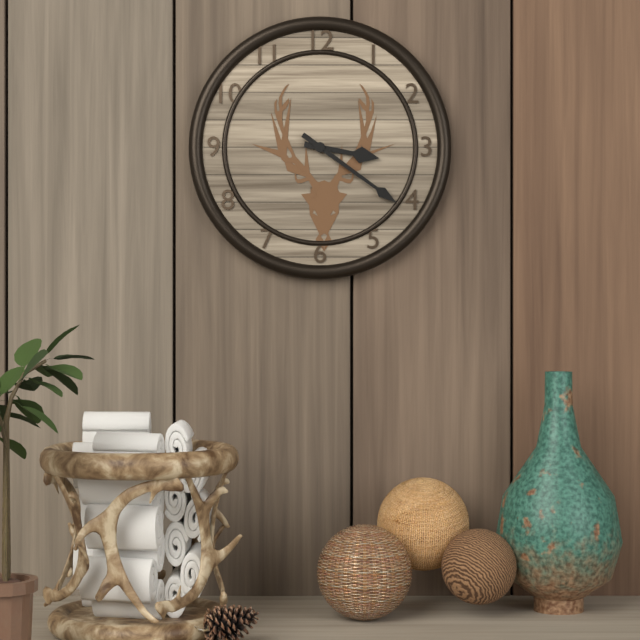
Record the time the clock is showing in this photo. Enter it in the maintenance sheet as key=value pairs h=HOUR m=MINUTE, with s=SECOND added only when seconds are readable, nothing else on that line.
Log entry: h=3 m=21
